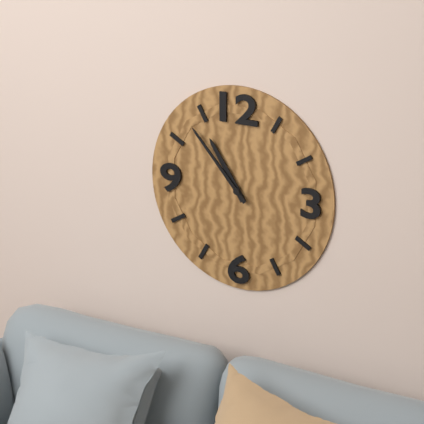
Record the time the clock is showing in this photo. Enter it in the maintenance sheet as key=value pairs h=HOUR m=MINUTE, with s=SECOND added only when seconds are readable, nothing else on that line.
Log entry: h=10 m=53
